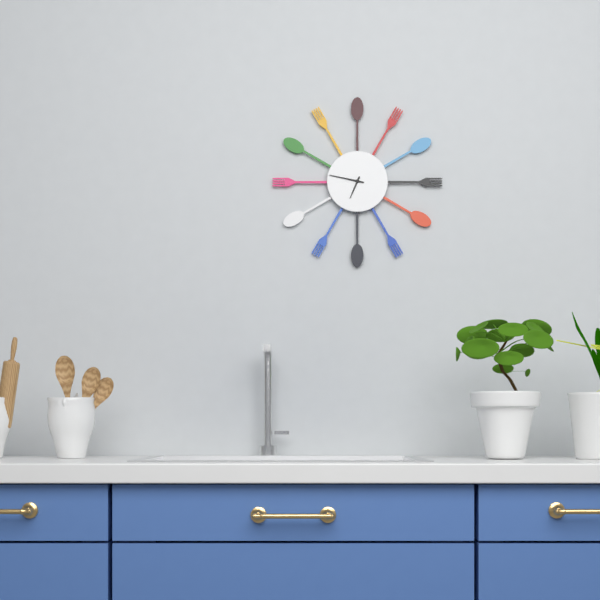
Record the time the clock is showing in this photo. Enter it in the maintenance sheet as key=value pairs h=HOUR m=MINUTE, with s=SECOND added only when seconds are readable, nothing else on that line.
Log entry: h=6 m=47
